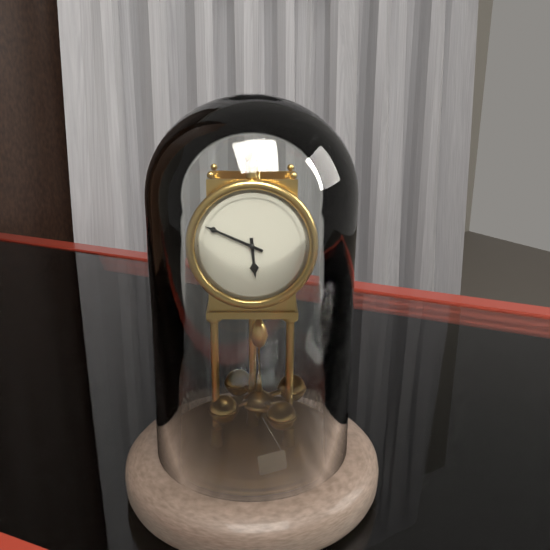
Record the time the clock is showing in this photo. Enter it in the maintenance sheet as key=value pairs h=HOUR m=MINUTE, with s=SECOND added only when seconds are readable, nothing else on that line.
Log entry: h=5 m=49
